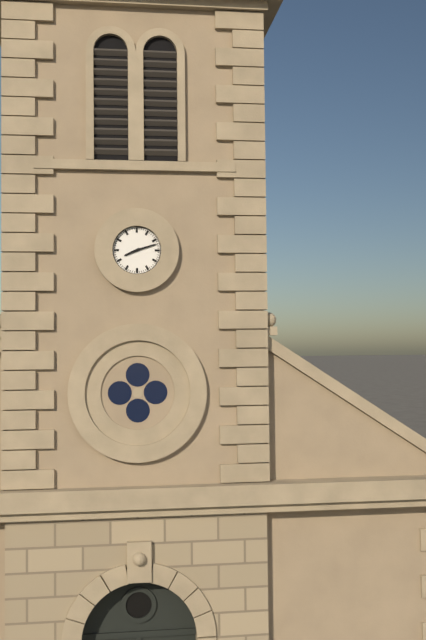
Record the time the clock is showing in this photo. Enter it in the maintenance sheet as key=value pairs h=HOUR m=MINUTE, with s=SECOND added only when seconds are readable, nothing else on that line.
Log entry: h=8 m=12
